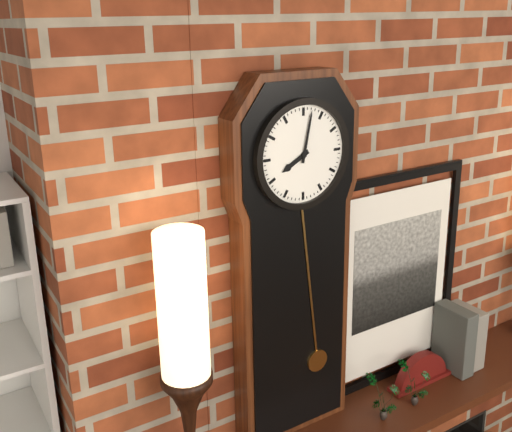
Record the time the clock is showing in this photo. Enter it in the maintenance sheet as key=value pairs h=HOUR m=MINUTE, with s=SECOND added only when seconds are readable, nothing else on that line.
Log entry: h=8 m=2
